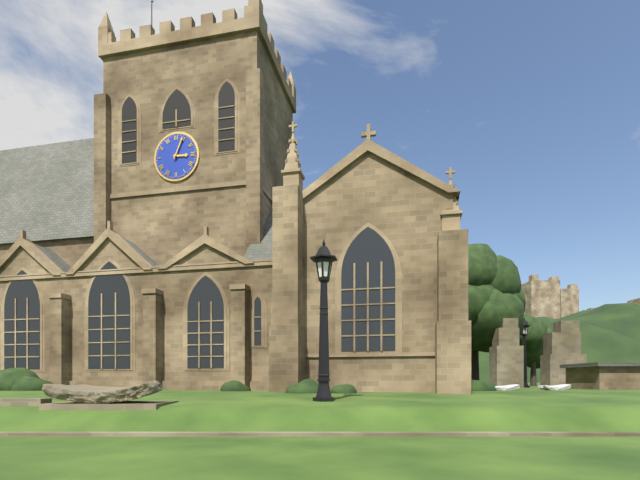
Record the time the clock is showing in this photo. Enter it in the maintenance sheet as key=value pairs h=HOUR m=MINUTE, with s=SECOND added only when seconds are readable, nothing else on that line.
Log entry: h=3 m=4
